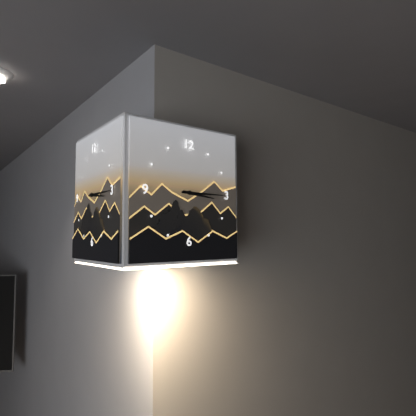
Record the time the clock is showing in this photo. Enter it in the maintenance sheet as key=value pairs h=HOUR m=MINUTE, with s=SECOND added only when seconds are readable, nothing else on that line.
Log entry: h=3 m=15
